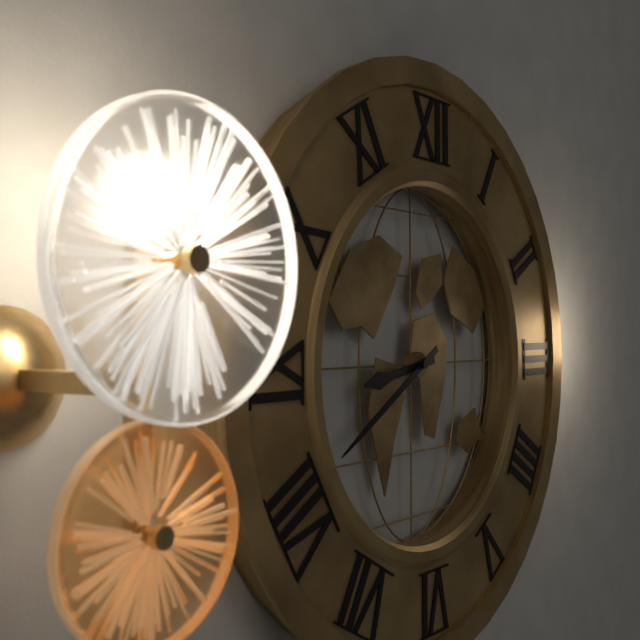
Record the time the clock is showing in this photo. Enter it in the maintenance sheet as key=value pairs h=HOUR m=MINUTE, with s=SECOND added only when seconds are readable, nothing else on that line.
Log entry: h=8 m=40
